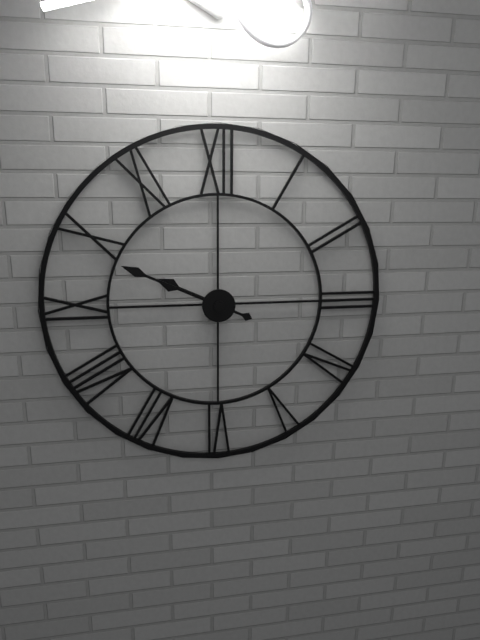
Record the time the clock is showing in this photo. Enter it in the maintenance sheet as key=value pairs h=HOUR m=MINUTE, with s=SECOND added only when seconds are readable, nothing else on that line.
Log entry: h=9 m=49
